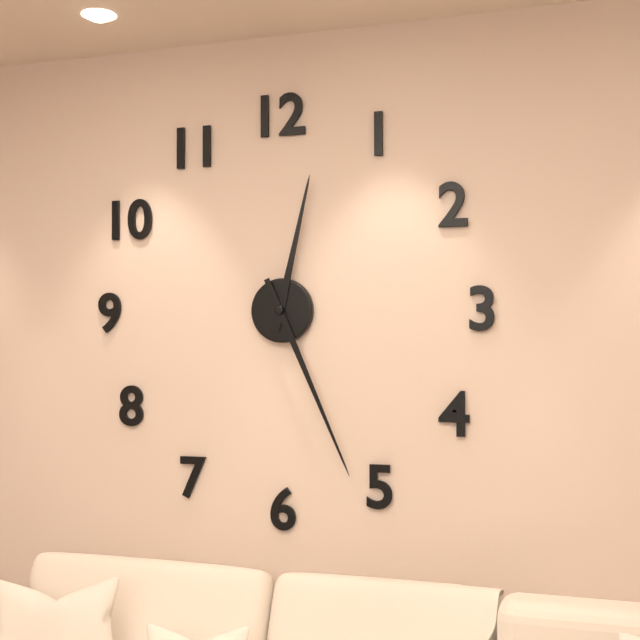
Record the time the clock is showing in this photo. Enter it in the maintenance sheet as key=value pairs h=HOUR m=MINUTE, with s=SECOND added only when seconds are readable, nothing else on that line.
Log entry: h=12 m=26
